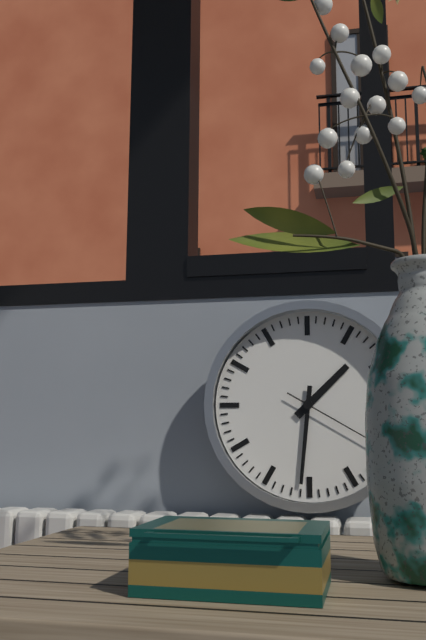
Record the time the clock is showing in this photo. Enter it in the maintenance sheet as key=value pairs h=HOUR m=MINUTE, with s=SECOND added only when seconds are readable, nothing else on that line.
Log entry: h=1 m=31 s=20
